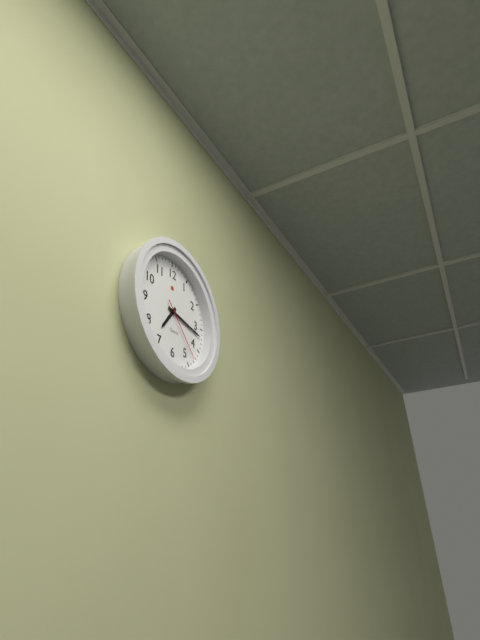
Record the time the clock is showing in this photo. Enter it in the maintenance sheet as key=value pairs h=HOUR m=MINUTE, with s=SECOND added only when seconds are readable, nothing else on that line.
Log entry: h=7 m=17 s=23
